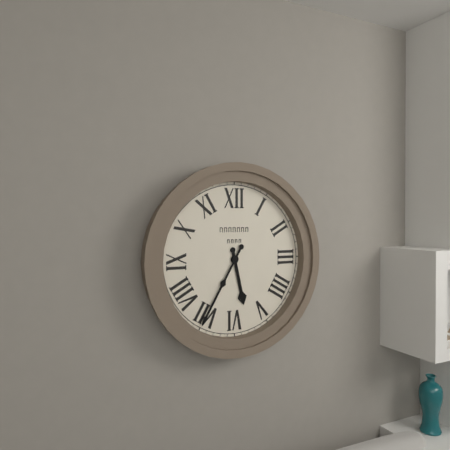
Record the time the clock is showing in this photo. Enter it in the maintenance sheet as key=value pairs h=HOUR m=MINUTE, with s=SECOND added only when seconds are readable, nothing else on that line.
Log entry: h=5 m=35
